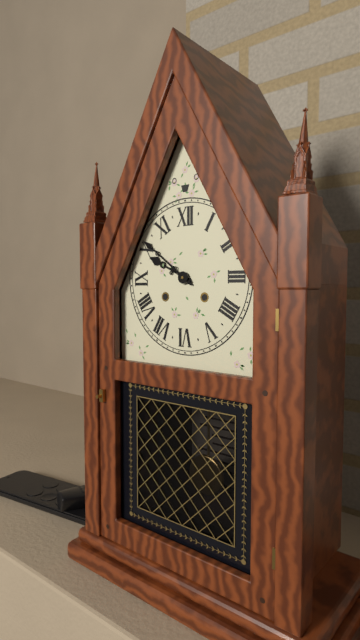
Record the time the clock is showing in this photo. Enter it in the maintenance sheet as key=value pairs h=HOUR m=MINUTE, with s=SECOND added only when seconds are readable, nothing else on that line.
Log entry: h=9 m=51
